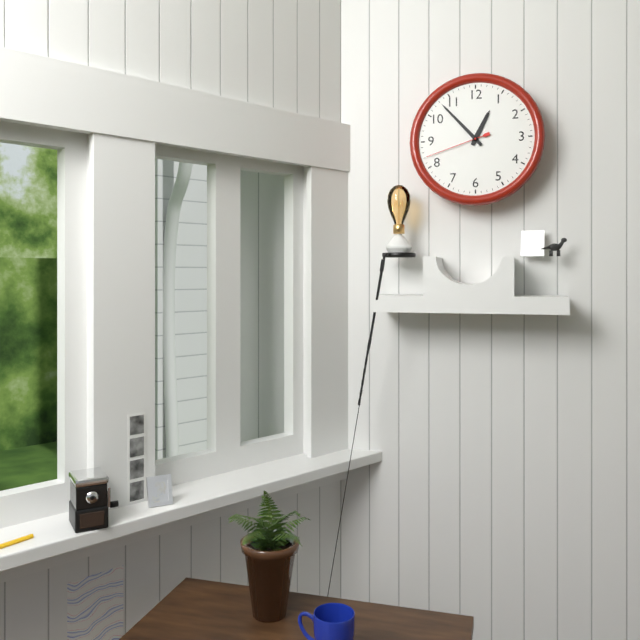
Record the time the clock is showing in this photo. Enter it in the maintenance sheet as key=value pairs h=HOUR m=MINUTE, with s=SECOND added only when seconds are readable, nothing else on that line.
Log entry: h=12 m=53 s=42
